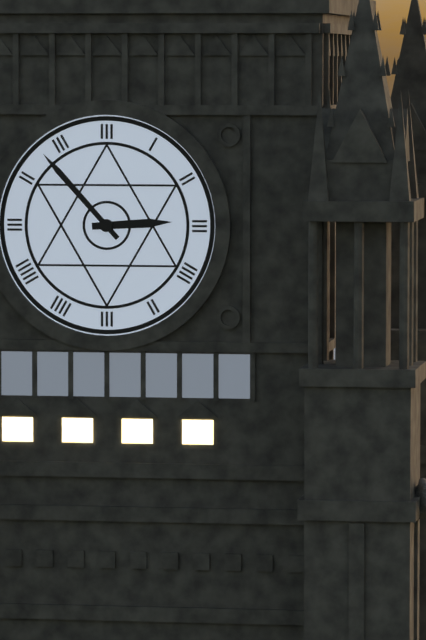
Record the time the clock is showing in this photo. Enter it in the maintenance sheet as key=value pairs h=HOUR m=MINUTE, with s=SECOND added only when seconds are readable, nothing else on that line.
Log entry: h=2 m=53
